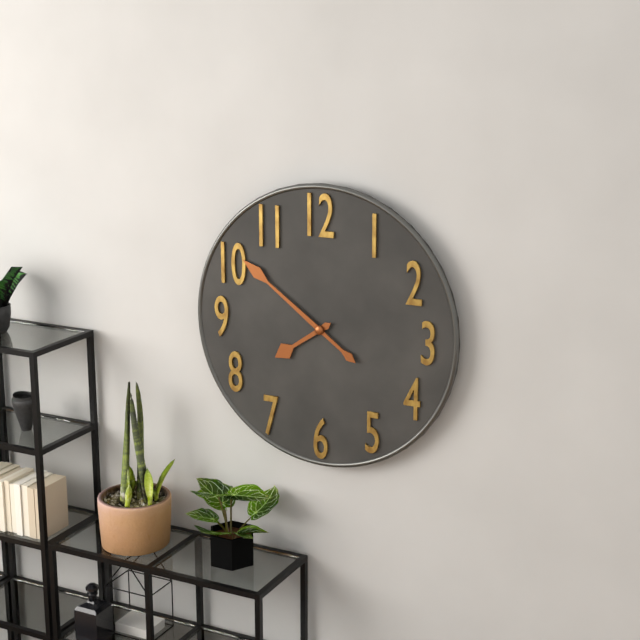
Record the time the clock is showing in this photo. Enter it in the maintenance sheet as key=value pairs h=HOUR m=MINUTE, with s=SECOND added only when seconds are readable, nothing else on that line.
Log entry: h=7 m=51
